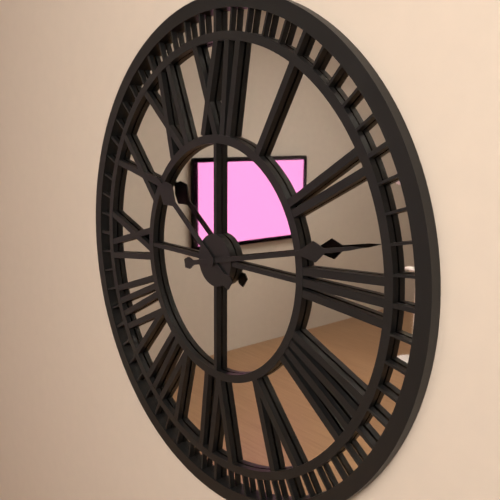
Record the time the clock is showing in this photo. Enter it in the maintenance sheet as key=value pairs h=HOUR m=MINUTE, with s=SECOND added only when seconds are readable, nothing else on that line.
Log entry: h=10 m=13
